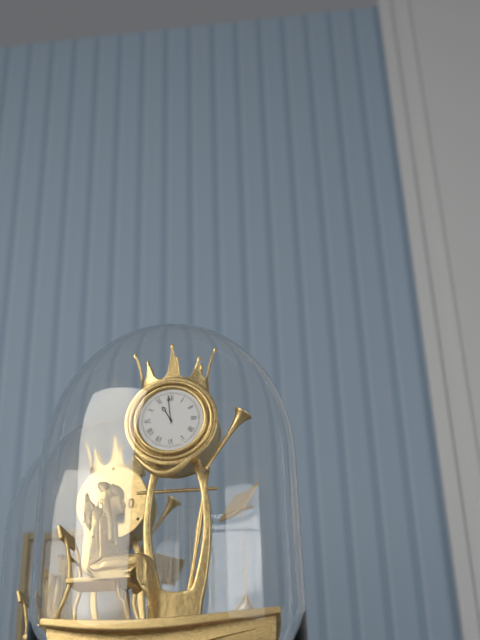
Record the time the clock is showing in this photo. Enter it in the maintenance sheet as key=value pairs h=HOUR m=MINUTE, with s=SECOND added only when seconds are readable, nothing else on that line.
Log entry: h=10 m=59
